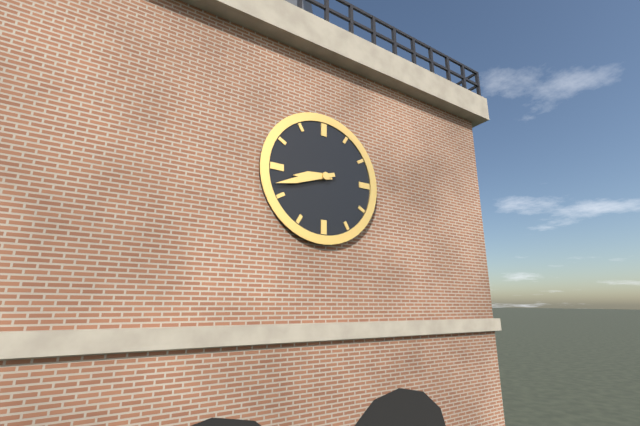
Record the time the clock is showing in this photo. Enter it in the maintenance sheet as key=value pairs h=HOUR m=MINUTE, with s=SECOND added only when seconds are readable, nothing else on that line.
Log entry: h=8 m=42
